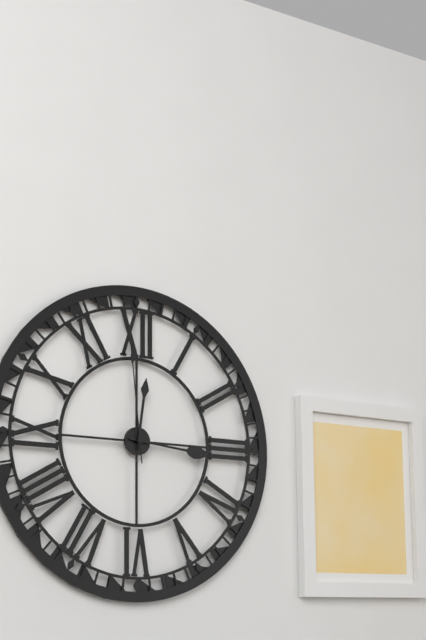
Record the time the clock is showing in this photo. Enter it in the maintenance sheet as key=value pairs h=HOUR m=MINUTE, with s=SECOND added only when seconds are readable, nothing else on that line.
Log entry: h=12 m=16 s=59
